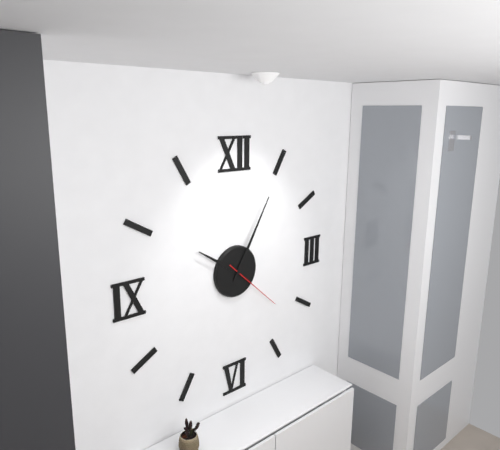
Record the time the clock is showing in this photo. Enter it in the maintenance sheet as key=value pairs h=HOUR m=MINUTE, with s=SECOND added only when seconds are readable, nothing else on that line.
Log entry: h=10 m=5 s=22
